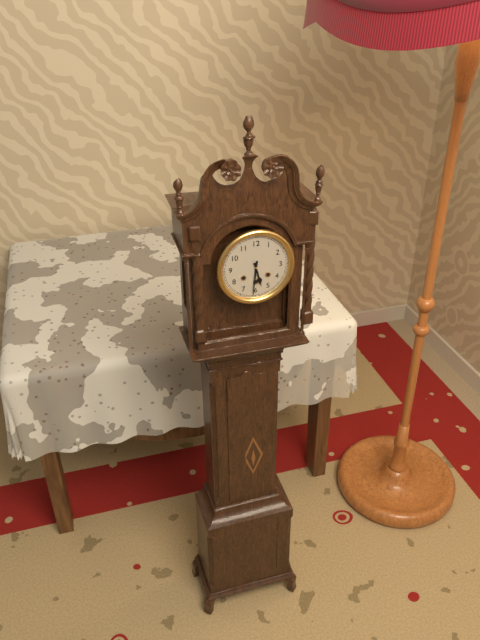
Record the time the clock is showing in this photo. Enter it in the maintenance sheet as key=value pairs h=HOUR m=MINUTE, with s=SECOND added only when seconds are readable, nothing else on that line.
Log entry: h=5 m=31
